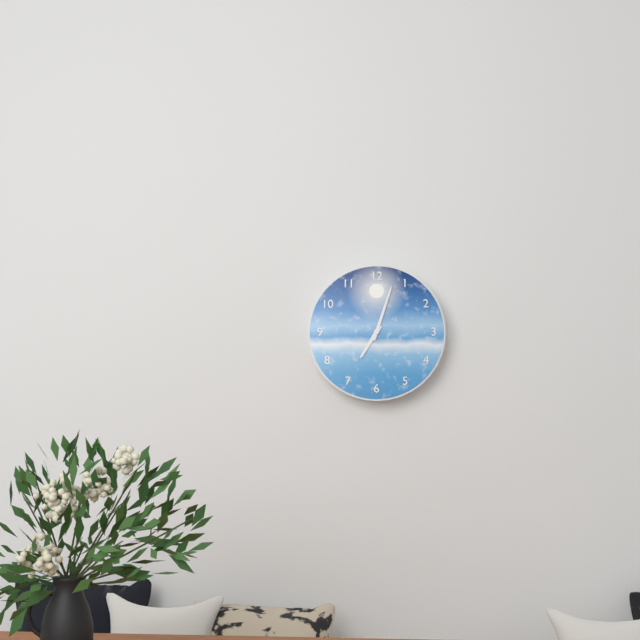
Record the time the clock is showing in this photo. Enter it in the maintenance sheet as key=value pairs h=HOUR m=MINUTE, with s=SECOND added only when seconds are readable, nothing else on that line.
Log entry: h=7 m=3
